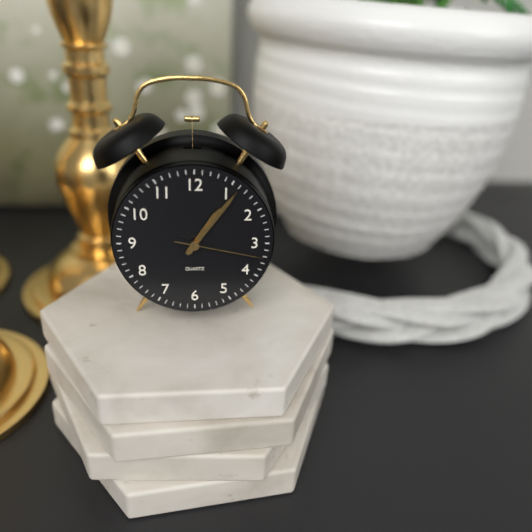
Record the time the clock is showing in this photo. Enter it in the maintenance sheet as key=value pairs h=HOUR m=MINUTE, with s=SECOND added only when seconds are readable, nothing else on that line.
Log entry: h=1 m=6 s=17
